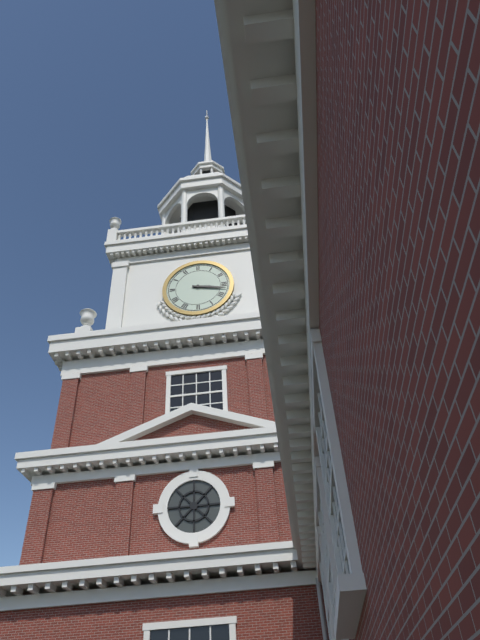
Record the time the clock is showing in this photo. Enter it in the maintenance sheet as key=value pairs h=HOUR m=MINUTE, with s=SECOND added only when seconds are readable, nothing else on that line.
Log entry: h=3 m=17
